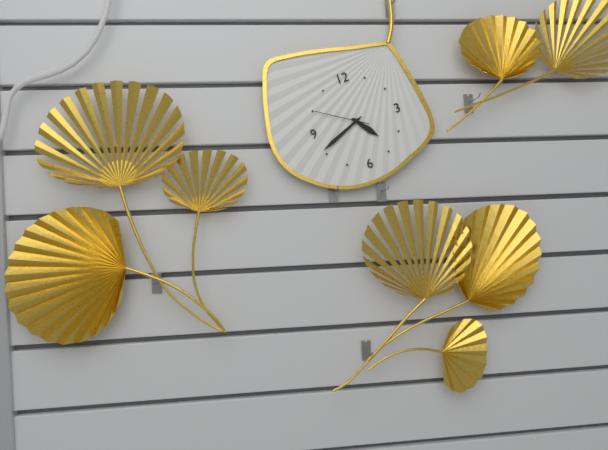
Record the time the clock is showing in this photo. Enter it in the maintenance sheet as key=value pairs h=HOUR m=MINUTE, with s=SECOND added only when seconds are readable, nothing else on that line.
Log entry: h=4 m=41 s=50
